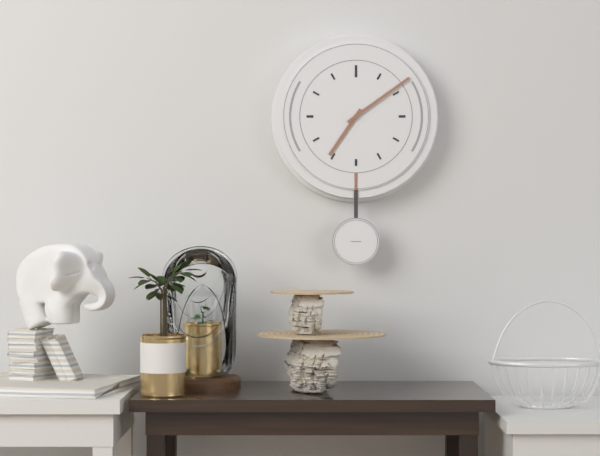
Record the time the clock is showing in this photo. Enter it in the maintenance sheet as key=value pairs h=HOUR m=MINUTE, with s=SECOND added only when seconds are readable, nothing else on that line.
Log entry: h=7 m=9
